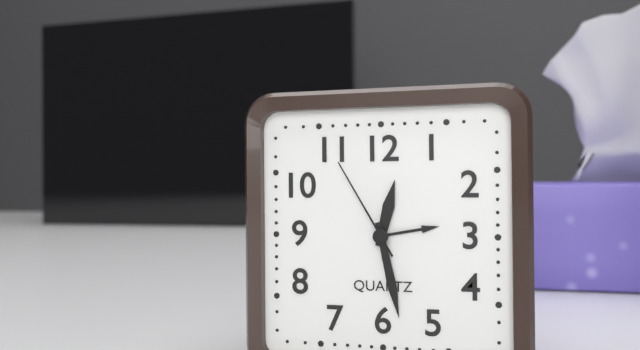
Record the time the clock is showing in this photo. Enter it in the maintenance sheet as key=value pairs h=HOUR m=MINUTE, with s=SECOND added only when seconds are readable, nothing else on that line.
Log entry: h=12 m=28 s=55
